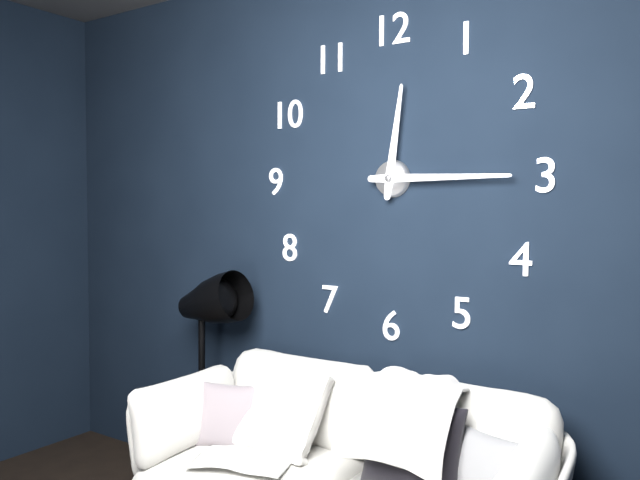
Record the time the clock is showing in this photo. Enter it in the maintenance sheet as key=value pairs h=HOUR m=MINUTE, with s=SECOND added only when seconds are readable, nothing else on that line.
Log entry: h=12 m=15
